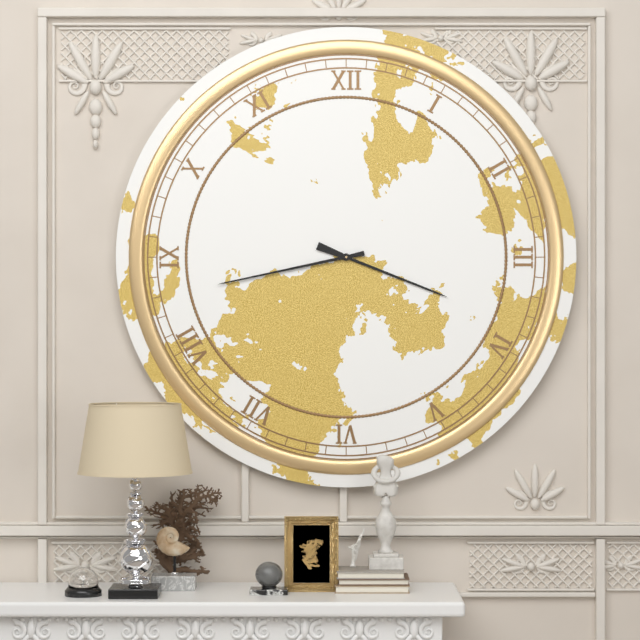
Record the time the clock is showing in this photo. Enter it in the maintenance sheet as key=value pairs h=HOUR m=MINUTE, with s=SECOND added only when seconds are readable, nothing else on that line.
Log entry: h=3 m=43
